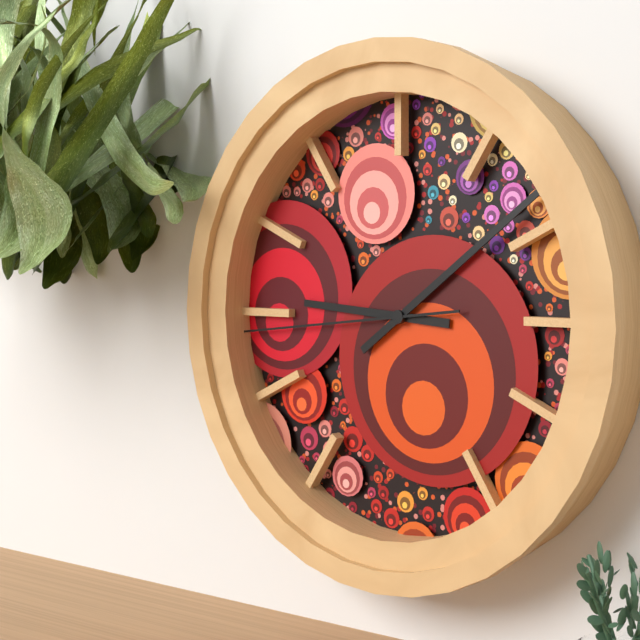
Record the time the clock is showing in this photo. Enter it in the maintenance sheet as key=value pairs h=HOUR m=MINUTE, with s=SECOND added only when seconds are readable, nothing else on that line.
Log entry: h=9 m=9 s=44
